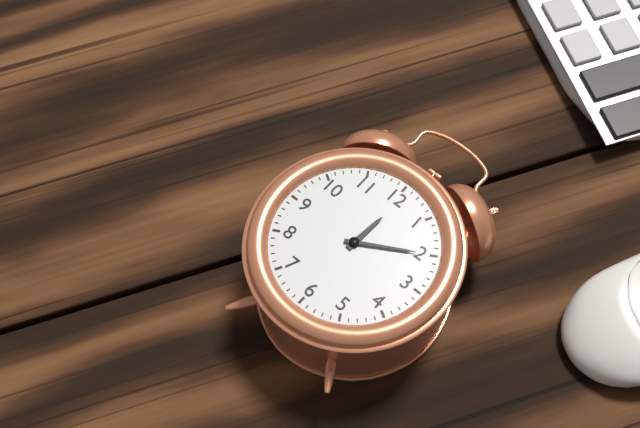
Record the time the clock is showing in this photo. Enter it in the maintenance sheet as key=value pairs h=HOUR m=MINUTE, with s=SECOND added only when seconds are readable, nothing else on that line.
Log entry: h=12 m=10
